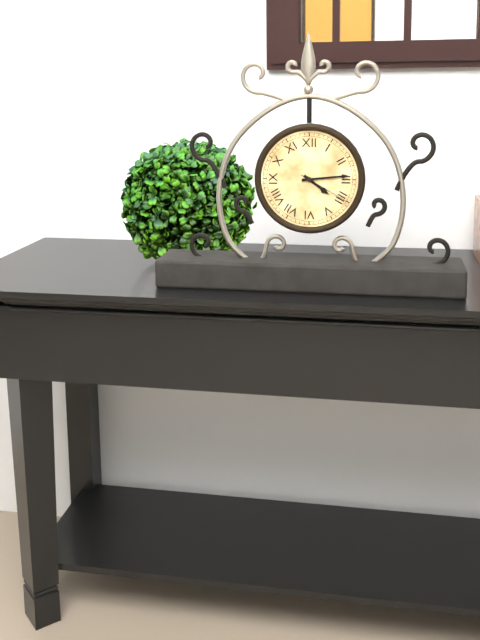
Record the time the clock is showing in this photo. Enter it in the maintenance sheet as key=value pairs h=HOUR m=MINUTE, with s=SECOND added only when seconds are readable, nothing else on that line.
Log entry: h=4 m=14 s=20
